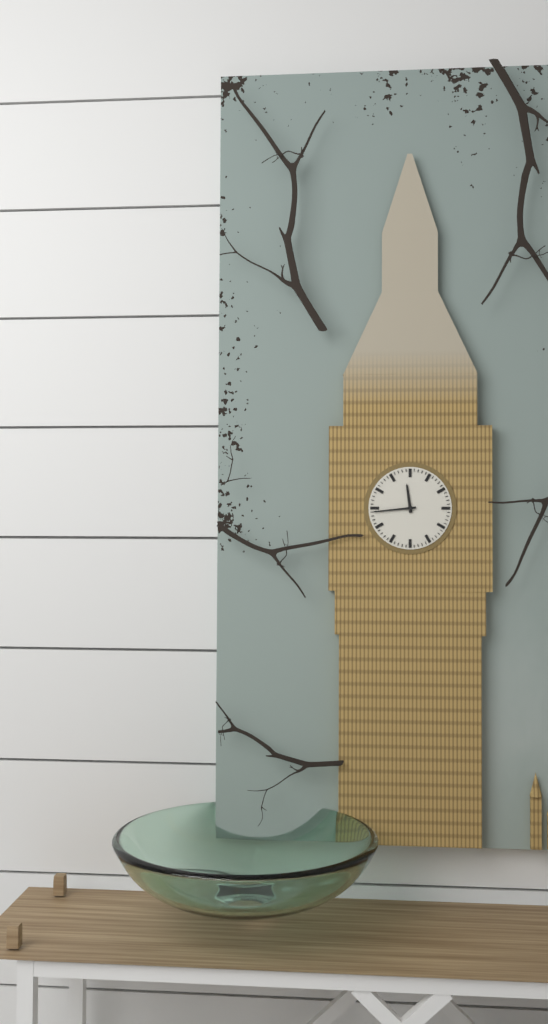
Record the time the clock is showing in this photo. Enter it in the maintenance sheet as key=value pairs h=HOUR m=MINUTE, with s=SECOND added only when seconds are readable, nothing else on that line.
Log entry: h=11 m=44
